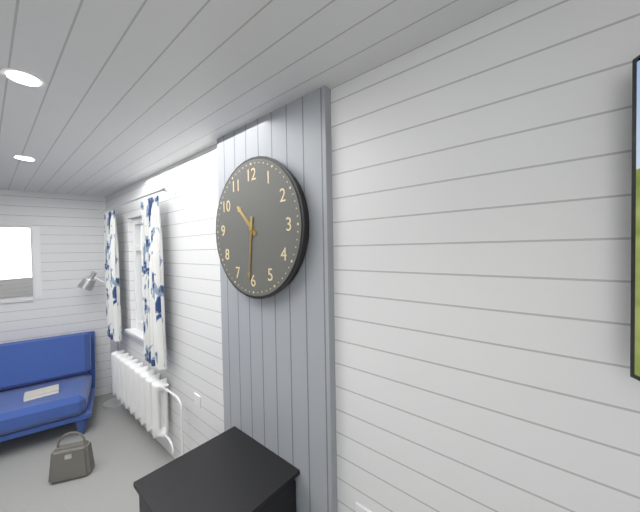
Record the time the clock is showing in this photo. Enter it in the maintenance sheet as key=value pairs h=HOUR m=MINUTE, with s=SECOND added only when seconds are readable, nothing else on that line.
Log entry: h=10 m=31
